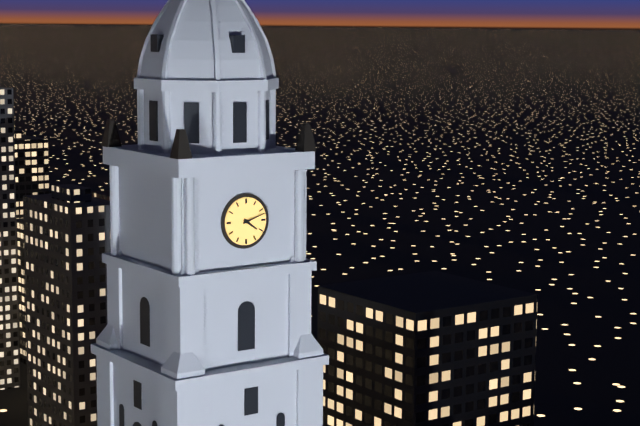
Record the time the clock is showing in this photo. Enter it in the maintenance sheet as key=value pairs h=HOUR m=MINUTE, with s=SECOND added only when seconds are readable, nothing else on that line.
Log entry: h=4 m=12
